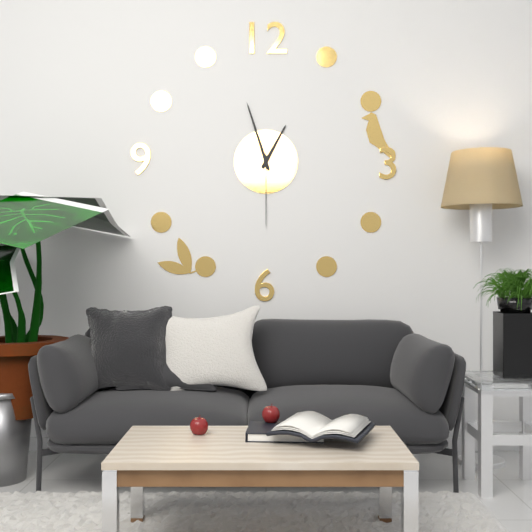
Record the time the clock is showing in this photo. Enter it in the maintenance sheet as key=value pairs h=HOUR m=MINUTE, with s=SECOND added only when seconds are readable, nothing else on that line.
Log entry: h=12 m=57 s=30
